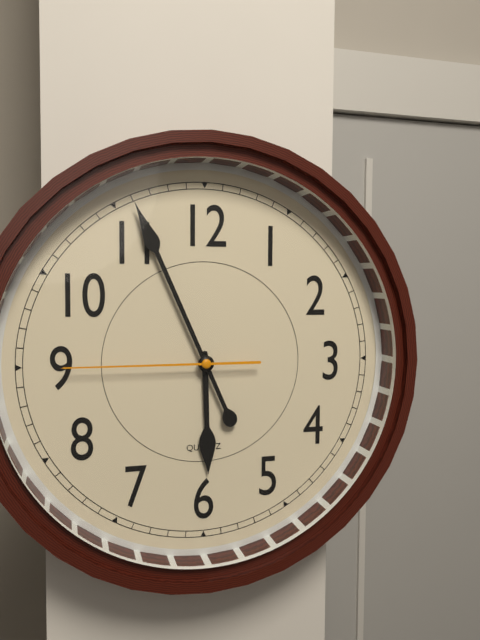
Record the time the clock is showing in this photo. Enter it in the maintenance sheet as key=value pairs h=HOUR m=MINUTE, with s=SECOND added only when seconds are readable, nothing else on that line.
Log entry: h=5 m=56 s=45
